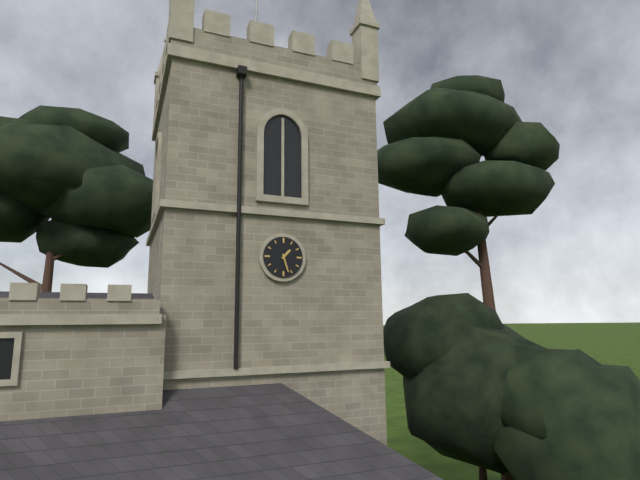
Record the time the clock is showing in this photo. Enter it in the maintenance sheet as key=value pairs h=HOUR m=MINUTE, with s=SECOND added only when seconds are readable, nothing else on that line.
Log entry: h=1 m=27
